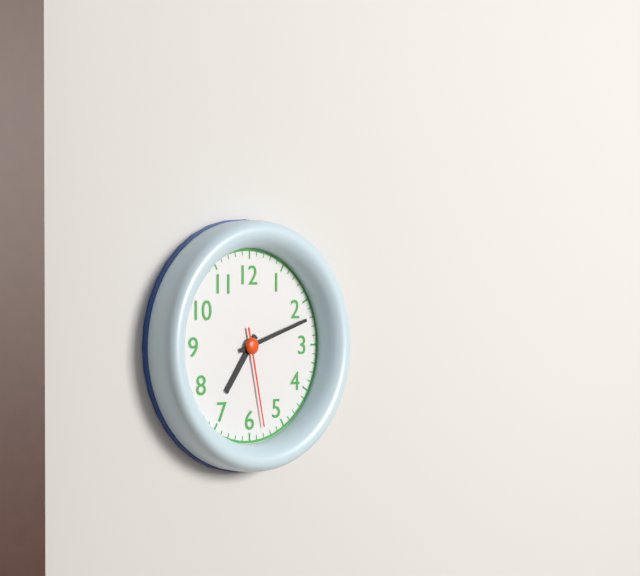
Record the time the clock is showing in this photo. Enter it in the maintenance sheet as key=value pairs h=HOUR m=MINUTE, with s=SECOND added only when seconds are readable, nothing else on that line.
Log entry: h=7 m=12 s=28
